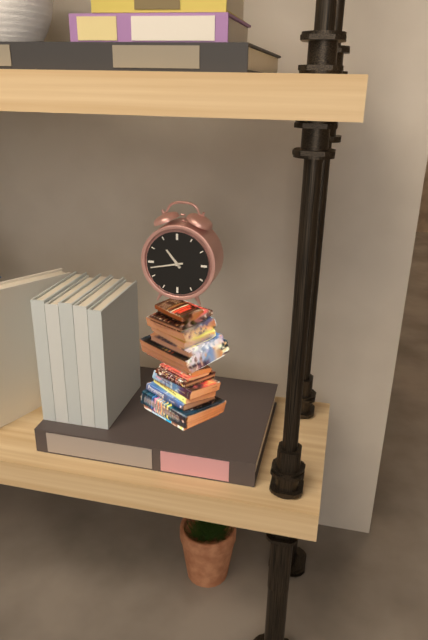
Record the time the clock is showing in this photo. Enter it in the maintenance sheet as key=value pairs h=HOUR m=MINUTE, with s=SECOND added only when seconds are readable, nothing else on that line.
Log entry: h=10 m=43
